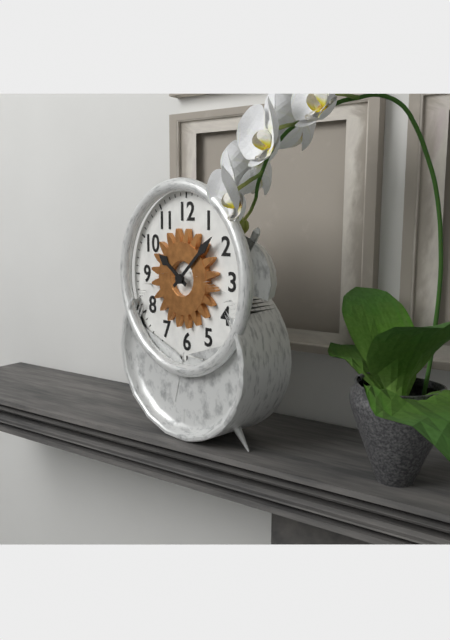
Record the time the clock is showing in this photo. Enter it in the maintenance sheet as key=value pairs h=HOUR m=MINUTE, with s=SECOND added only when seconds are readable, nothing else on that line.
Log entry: h=10 m=8
